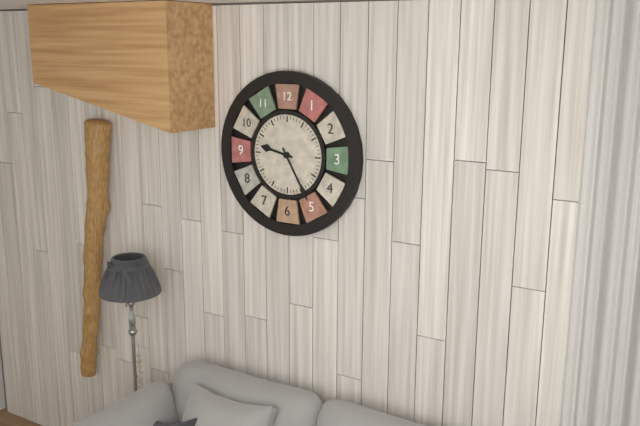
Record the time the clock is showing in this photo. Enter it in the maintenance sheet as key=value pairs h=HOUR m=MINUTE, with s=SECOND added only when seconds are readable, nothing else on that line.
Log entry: h=9 m=25
